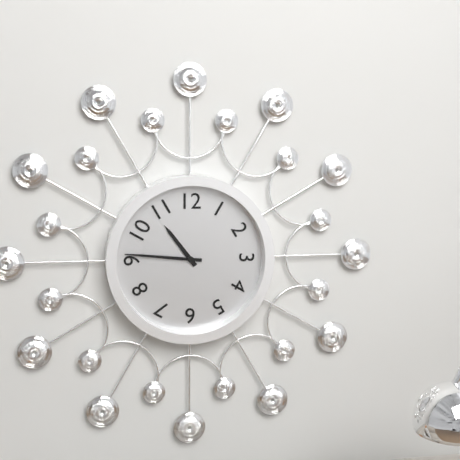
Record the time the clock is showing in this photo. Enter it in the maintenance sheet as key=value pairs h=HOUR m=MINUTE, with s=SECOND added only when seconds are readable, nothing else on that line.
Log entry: h=10 m=46
